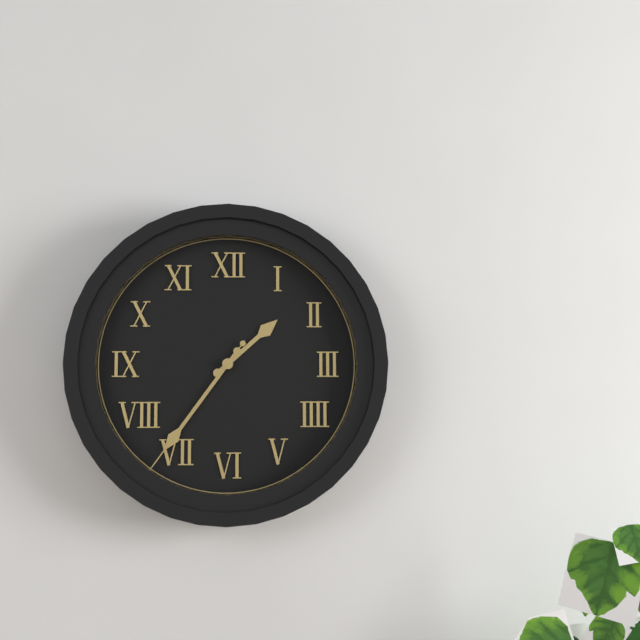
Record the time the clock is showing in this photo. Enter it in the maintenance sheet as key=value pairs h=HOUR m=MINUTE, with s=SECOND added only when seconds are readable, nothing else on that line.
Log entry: h=1 m=36 s=36
